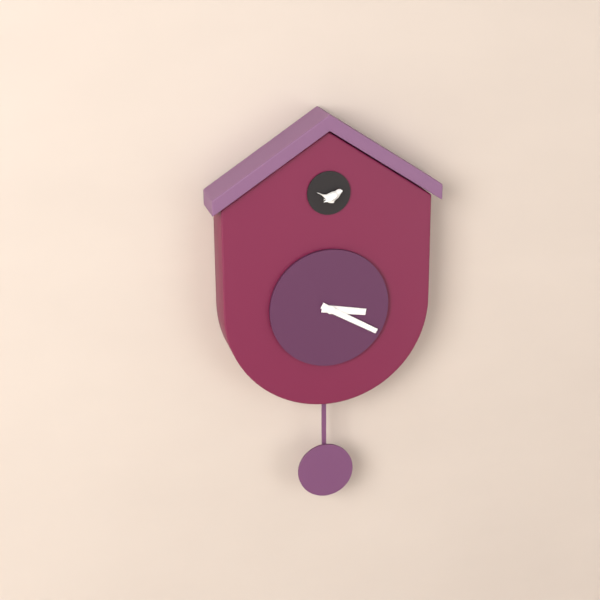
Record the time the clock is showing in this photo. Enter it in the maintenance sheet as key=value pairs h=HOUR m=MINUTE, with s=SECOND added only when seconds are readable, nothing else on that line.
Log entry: h=3 m=20
